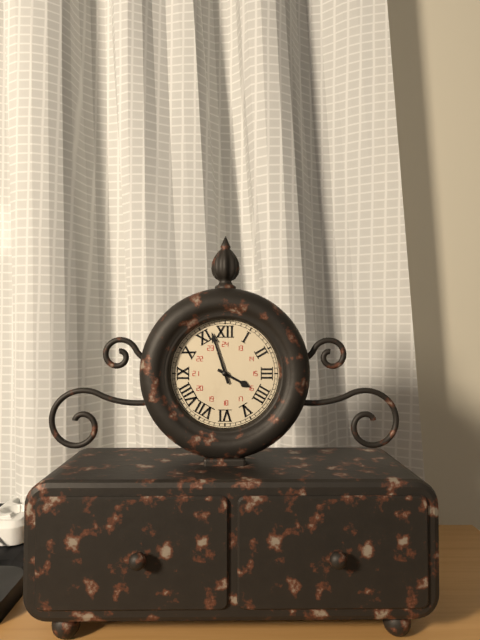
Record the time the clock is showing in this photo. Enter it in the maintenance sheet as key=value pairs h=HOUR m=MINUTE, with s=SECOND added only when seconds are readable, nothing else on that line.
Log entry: h=3 m=57
